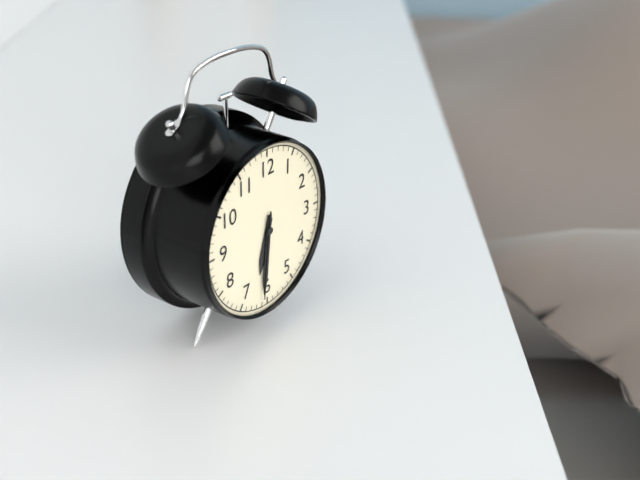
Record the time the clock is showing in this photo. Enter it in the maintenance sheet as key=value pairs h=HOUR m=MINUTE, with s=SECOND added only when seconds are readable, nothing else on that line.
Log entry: h=6 m=31 s=31
